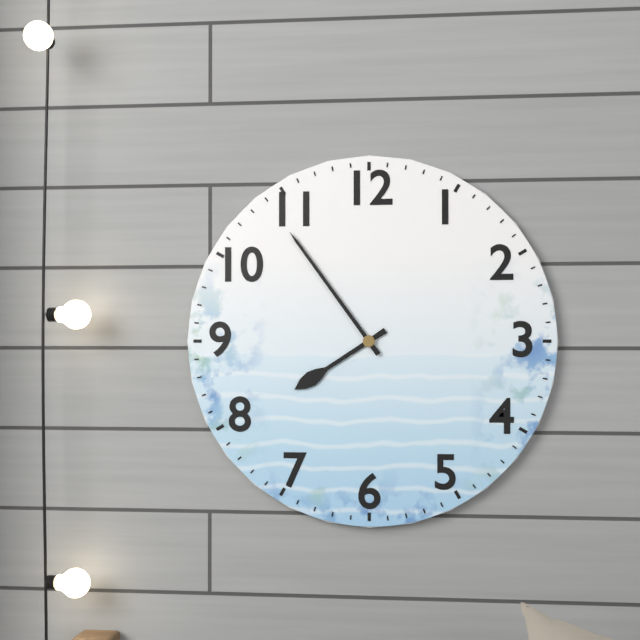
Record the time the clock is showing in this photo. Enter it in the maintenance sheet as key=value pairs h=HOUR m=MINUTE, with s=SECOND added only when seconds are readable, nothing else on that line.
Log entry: h=7 m=54
